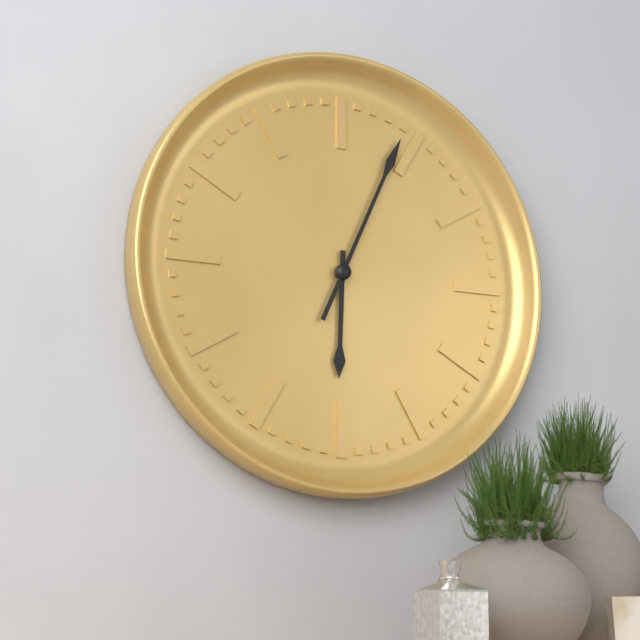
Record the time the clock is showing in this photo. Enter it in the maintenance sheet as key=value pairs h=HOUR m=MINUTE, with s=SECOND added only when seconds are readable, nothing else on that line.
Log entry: h=6 m=4
